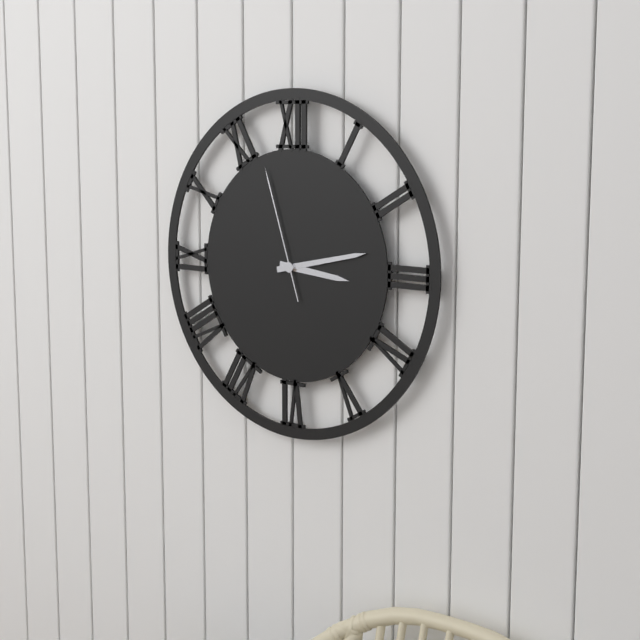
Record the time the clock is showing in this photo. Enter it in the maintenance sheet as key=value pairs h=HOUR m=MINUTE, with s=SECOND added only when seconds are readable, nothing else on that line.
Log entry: h=3 m=13 s=57
